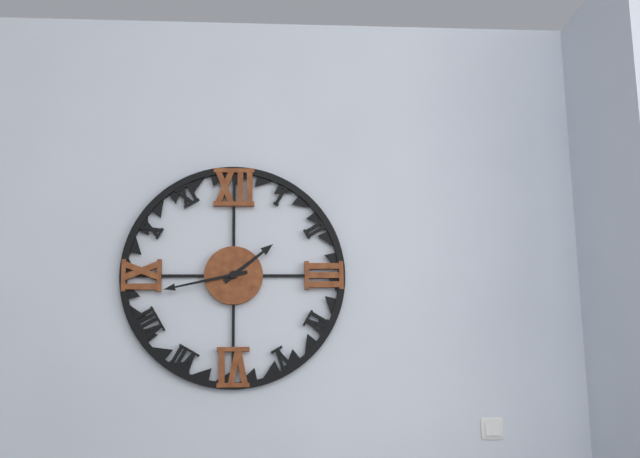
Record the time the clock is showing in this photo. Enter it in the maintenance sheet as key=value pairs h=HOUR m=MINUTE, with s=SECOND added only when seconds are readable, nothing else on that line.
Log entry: h=1 m=43
